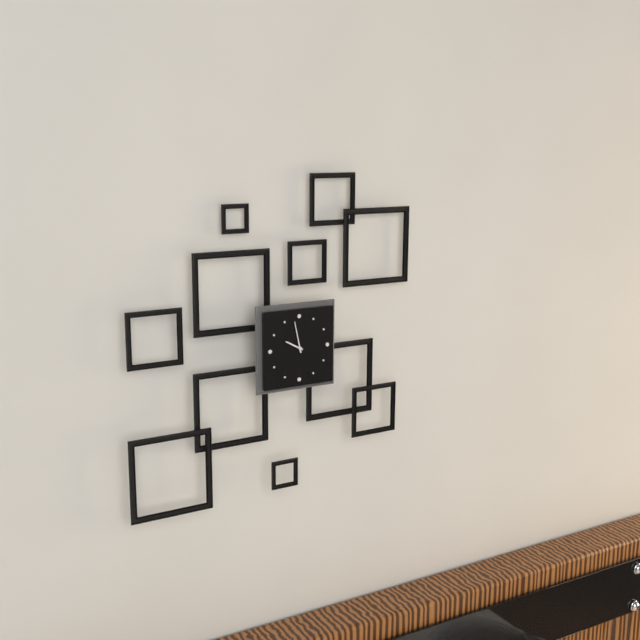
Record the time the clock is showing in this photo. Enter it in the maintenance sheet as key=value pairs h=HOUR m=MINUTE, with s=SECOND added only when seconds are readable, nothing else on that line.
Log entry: h=9 m=58
